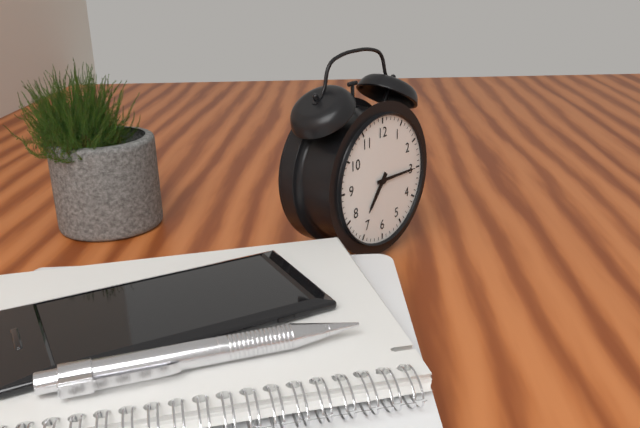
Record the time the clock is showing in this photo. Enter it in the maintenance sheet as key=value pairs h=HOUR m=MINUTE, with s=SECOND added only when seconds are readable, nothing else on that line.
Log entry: h=7 m=15
